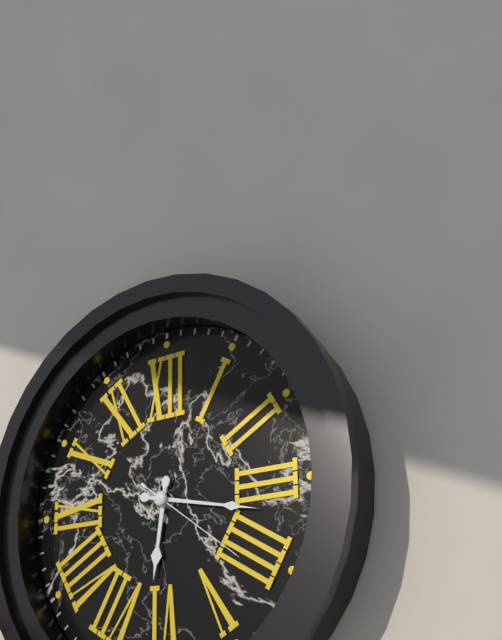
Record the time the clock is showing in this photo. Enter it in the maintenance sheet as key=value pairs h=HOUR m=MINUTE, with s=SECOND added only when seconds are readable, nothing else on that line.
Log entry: h=6 m=17 s=21
